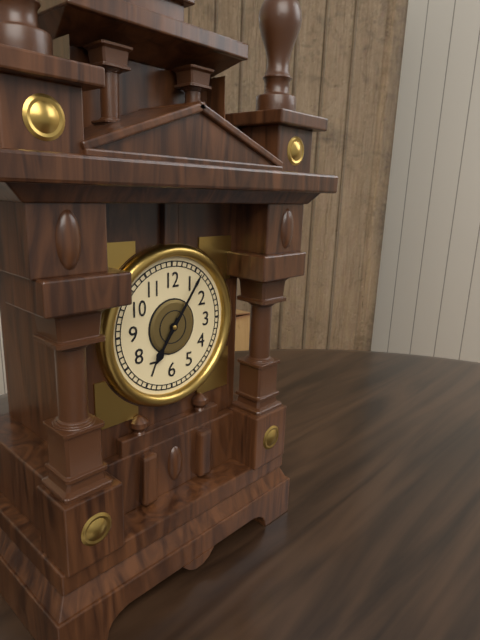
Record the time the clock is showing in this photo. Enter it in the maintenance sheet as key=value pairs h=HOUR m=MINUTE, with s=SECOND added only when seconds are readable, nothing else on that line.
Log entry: h=7 m=6
